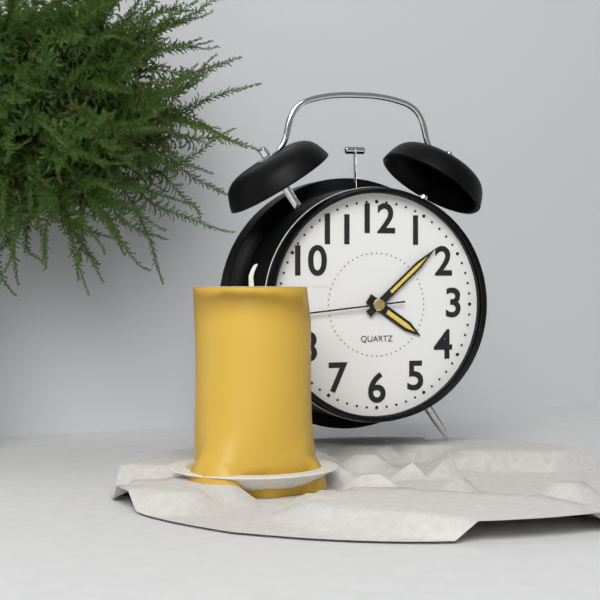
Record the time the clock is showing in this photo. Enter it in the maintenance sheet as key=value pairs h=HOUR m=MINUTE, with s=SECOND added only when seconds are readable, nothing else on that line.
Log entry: h=4 m=8 s=44
